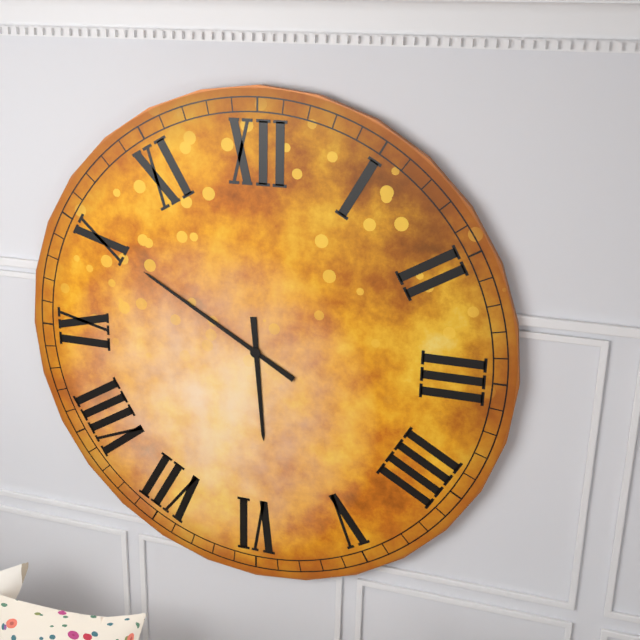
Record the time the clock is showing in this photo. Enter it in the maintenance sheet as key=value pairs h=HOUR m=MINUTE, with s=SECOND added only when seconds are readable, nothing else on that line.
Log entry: h=5 m=50
